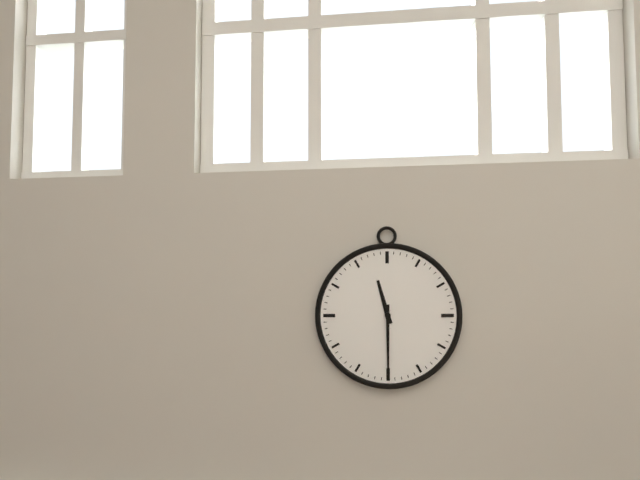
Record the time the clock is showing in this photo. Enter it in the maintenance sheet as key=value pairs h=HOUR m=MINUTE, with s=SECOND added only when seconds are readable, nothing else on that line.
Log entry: h=11 m=30
